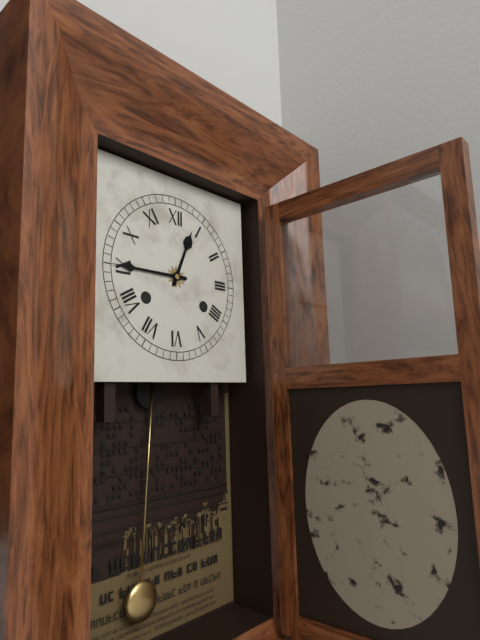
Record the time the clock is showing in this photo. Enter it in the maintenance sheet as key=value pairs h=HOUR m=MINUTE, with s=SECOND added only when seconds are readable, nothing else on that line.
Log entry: h=12 m=45
